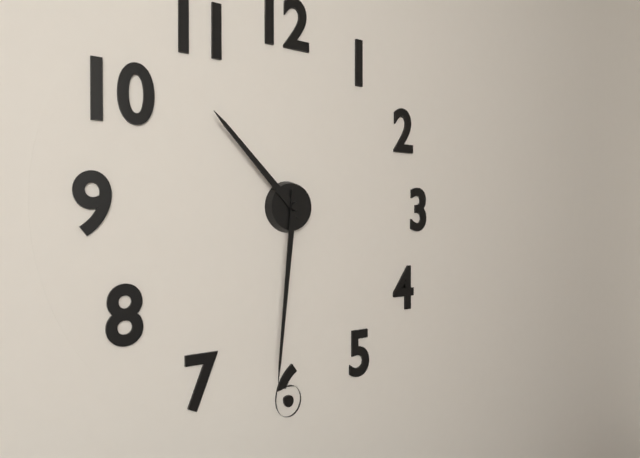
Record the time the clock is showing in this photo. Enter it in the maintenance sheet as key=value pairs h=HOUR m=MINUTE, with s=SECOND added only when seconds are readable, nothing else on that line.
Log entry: h=10 m=31
